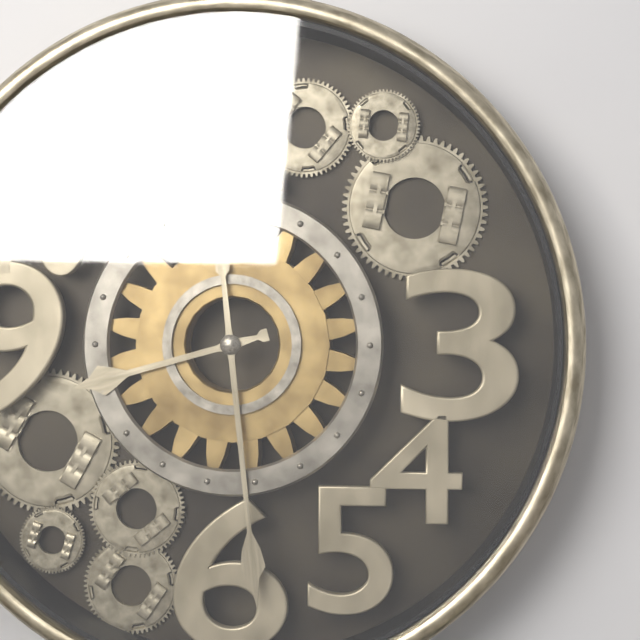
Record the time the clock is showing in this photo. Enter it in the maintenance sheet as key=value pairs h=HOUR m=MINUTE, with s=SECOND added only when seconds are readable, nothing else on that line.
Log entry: h=8 m=29
